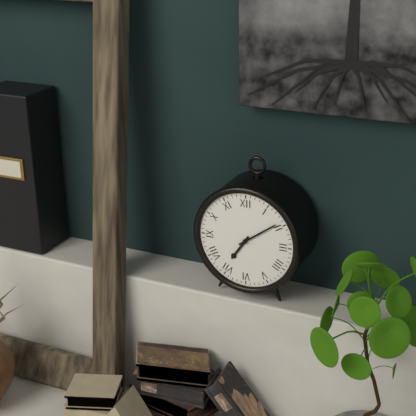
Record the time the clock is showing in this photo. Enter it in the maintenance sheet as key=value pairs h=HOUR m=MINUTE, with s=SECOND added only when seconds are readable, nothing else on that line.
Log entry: h=7 m=9
